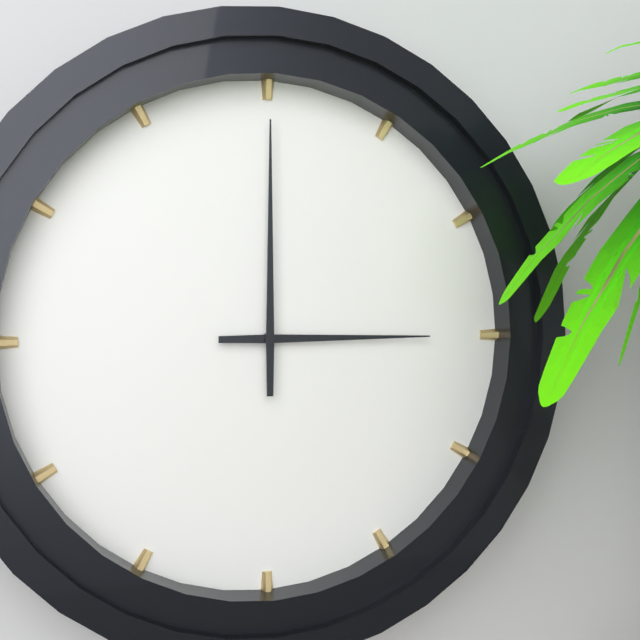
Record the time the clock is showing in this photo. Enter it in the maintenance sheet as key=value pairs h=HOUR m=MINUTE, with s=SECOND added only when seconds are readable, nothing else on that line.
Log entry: h=3 m=0
